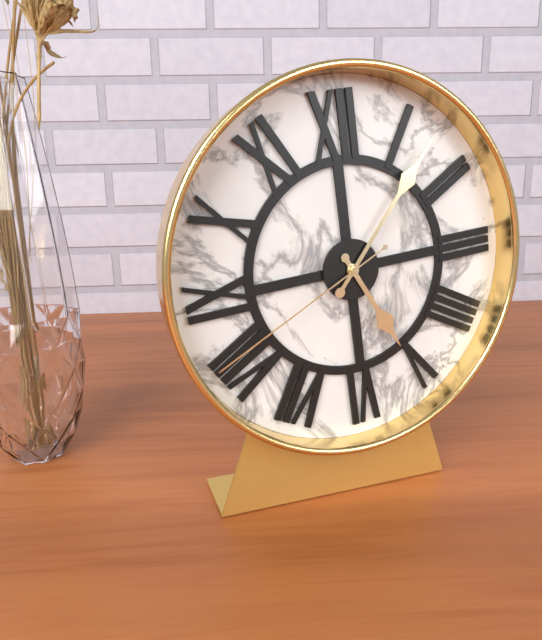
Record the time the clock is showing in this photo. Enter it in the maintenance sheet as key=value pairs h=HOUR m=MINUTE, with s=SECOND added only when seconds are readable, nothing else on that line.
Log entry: h=5 m=7 s=41
